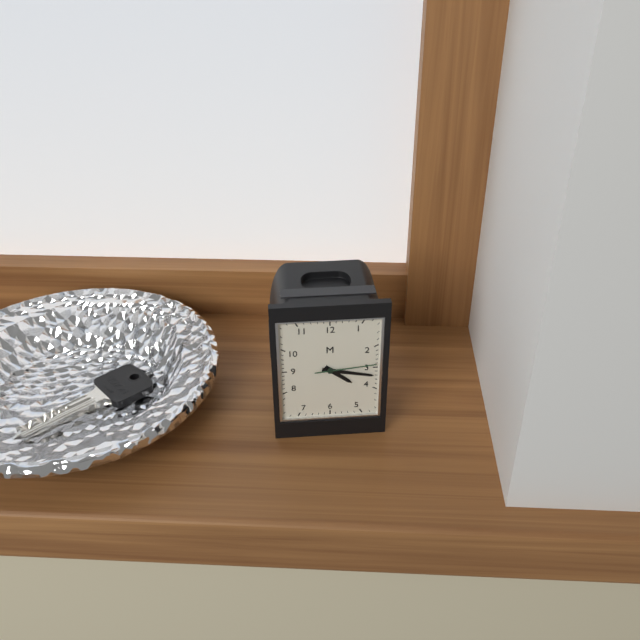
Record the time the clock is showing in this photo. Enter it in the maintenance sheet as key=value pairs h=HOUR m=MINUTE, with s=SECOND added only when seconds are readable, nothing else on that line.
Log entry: h=4 m=17 s=14
